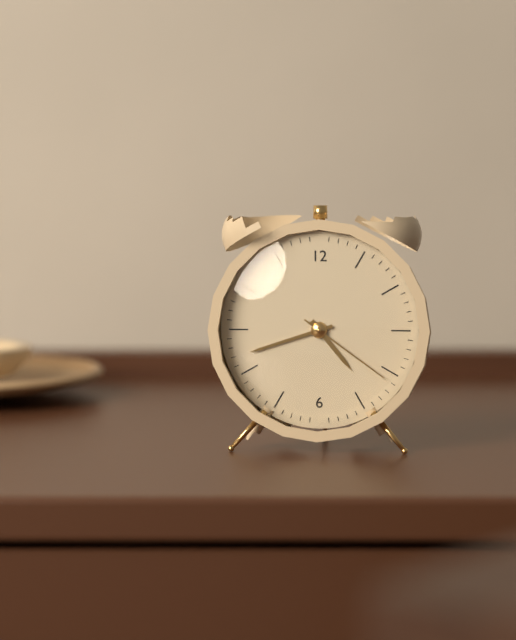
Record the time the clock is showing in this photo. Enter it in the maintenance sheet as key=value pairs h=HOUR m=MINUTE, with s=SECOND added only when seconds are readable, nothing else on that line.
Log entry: h=4 m=42 s=21
